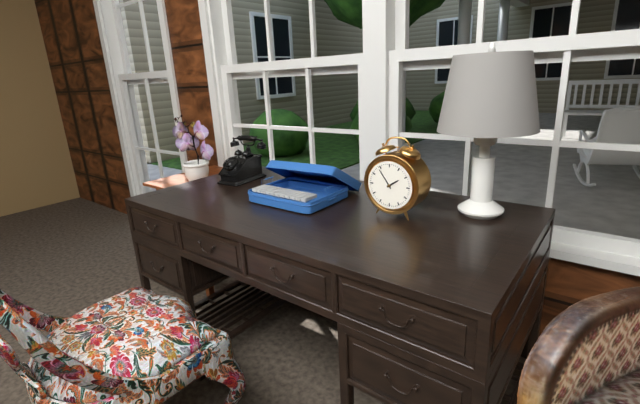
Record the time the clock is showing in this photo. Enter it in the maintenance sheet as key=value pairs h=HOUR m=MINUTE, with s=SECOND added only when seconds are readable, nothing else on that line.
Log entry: h=1 m=54
